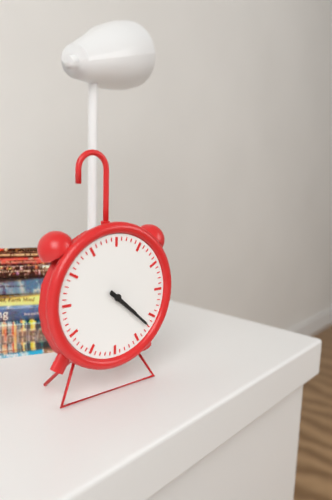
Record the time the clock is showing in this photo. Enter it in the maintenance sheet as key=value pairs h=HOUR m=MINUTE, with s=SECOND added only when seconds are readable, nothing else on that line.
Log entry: h=4 m=22
